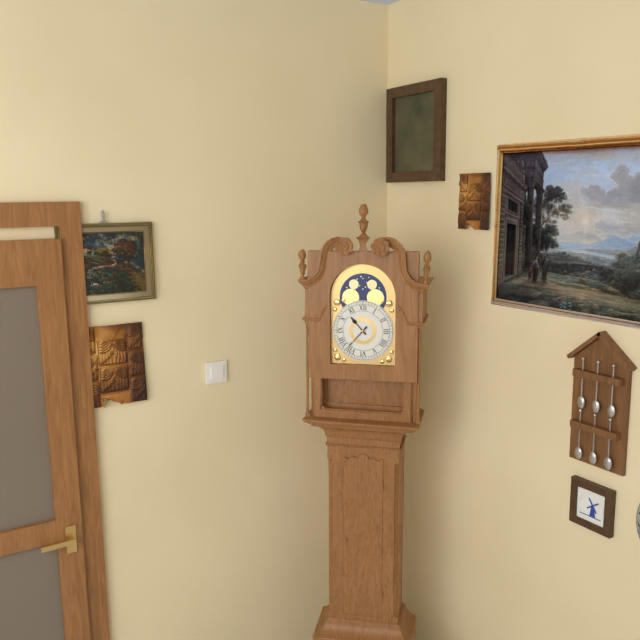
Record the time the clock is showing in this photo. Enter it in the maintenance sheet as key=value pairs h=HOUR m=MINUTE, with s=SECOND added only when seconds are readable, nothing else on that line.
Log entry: h=10 m=37
